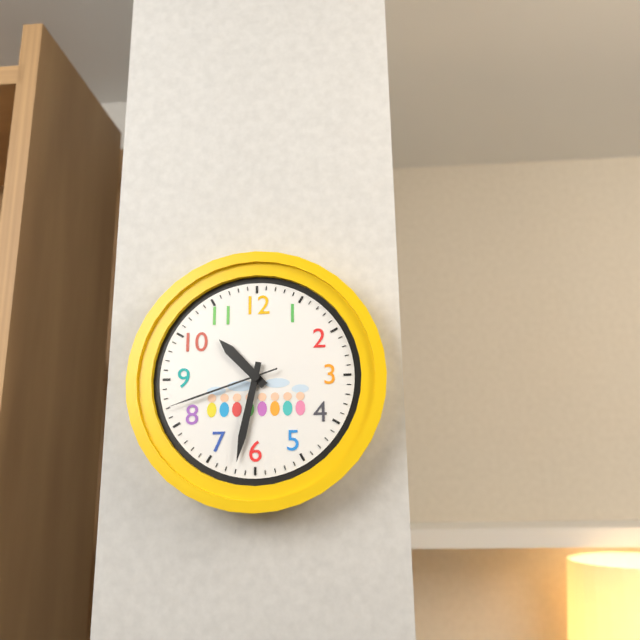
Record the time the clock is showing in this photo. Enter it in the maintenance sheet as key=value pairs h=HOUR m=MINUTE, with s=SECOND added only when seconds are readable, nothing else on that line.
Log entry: h=10 m=32 s=42
